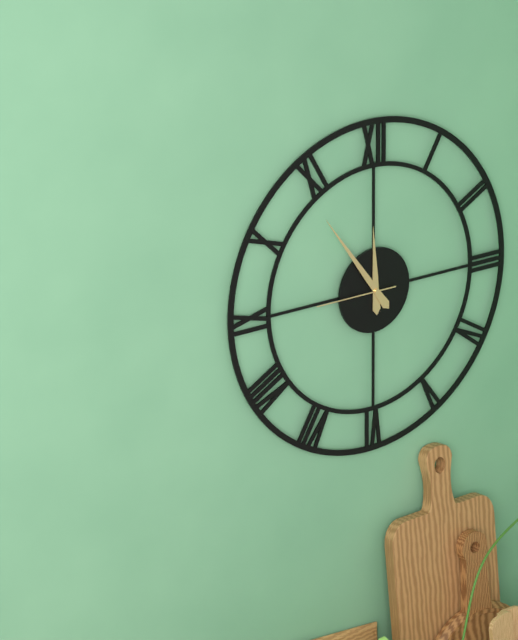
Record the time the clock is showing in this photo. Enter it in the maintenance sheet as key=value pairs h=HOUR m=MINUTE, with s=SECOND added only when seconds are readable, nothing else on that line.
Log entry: h=11 m=54 s=45
